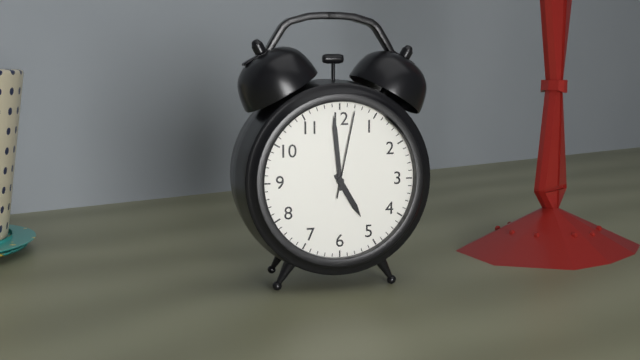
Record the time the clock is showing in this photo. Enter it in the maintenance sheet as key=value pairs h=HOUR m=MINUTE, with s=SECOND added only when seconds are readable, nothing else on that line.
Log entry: h=4 m=59 s=2
